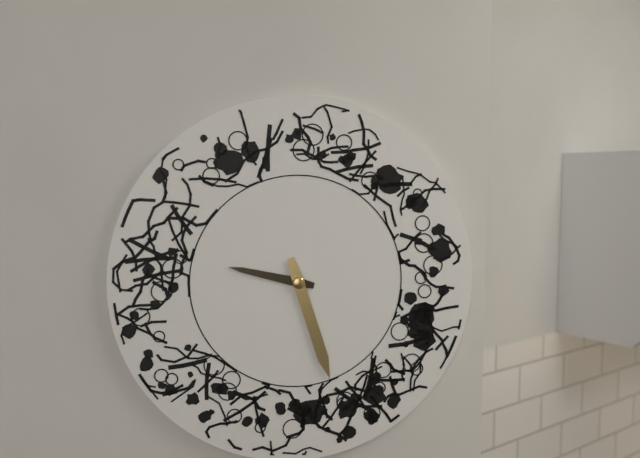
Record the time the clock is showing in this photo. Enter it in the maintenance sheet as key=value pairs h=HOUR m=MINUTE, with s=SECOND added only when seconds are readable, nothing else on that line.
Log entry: h=9 m=27
